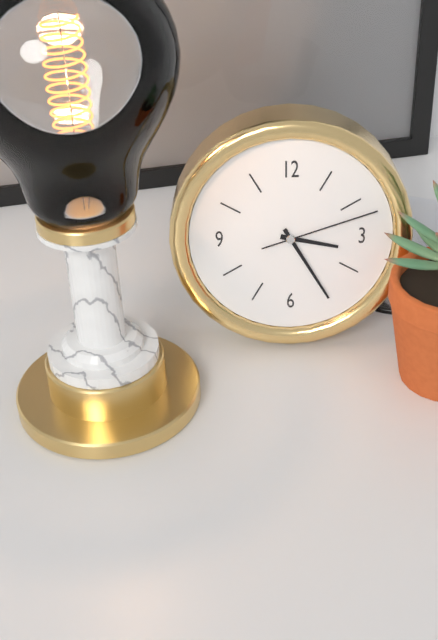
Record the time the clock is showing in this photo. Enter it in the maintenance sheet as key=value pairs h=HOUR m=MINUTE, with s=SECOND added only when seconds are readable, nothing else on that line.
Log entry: h=3 m=25 s=12
